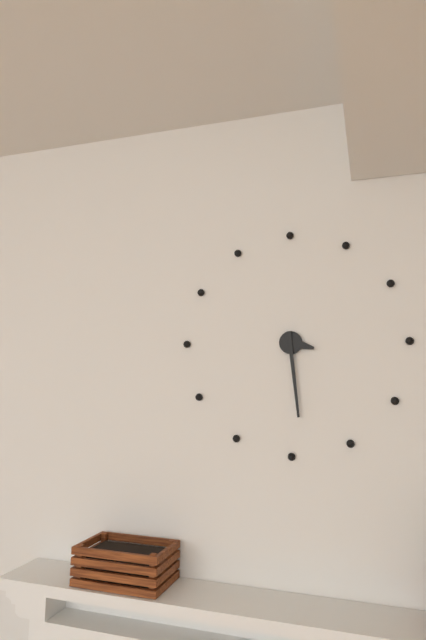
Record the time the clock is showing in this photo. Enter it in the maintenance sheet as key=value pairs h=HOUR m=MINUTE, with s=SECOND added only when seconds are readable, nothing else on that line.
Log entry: h=3 m=29
